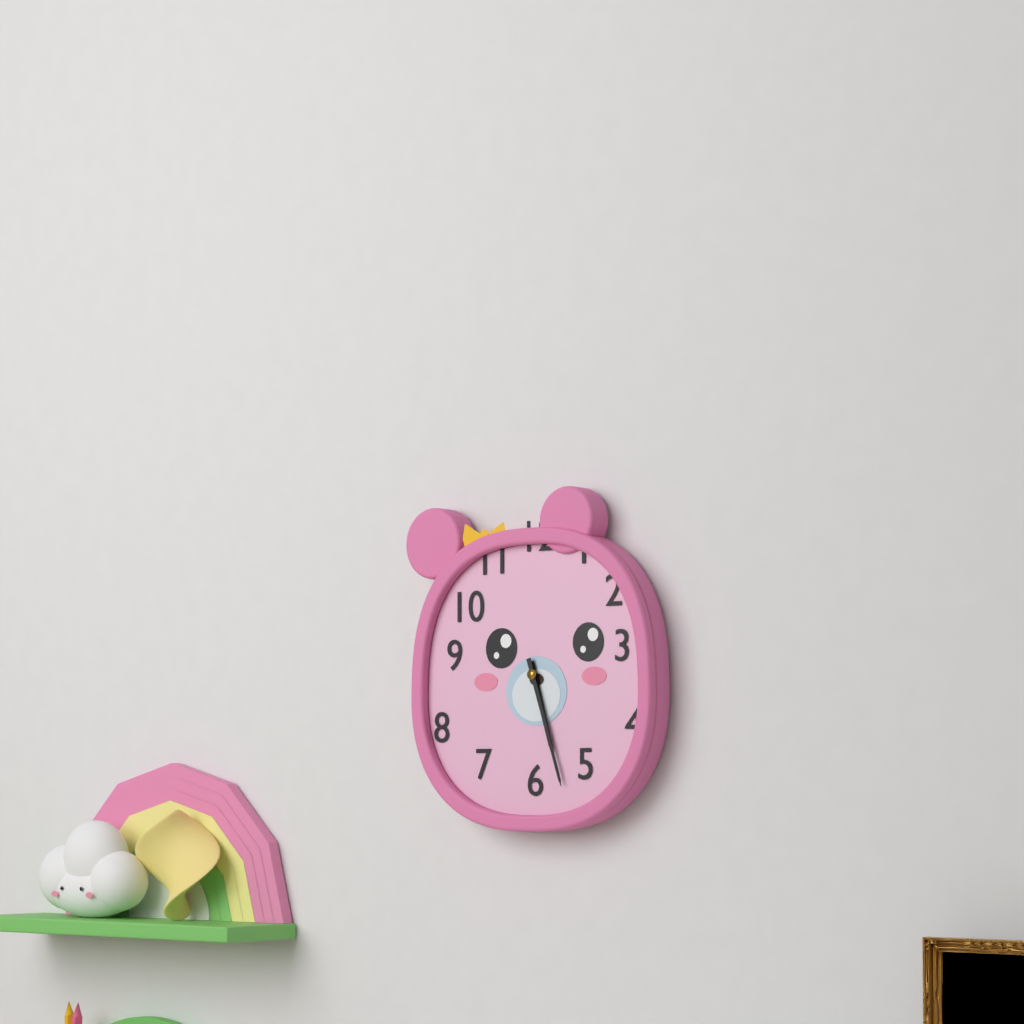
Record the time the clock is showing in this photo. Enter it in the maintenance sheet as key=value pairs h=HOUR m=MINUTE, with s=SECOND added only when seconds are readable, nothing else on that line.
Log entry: h=5 m=27
